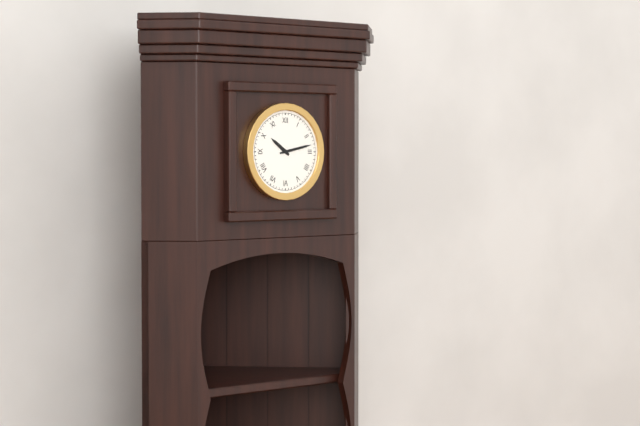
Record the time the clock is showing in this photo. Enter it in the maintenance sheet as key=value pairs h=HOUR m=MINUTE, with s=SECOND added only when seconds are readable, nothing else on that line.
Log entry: h=10 m=13
